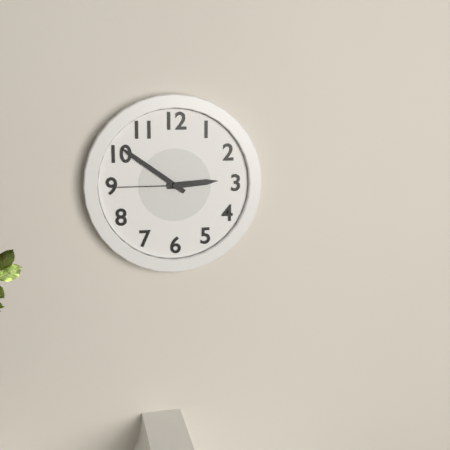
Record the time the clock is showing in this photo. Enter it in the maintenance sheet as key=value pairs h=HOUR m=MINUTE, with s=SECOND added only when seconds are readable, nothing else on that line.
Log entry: h=2 m=51 s=45
